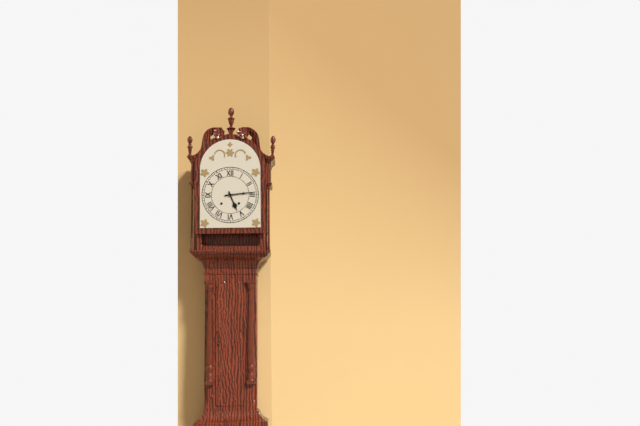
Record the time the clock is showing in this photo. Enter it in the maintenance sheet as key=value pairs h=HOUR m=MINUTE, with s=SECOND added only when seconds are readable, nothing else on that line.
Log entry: h=5 m=14
